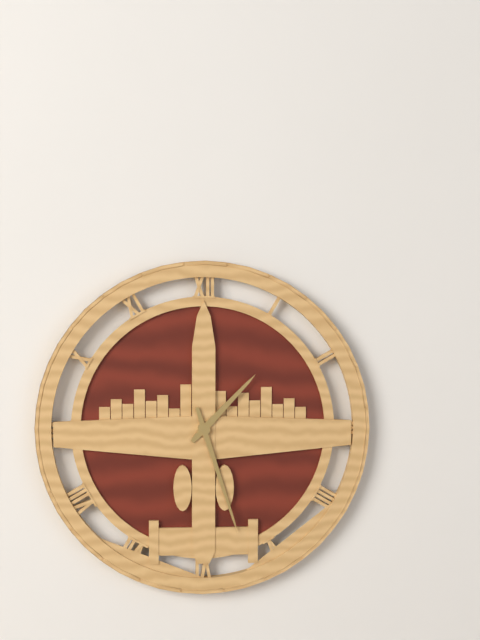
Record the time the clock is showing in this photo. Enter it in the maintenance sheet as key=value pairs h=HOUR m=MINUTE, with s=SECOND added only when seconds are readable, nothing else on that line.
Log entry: h=1 m=27
